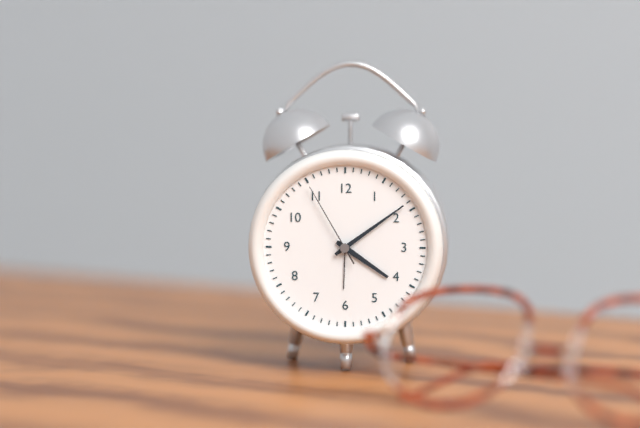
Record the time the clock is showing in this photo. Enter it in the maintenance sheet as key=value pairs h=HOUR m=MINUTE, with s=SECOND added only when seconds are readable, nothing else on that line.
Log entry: h=4 m=9 s=55
